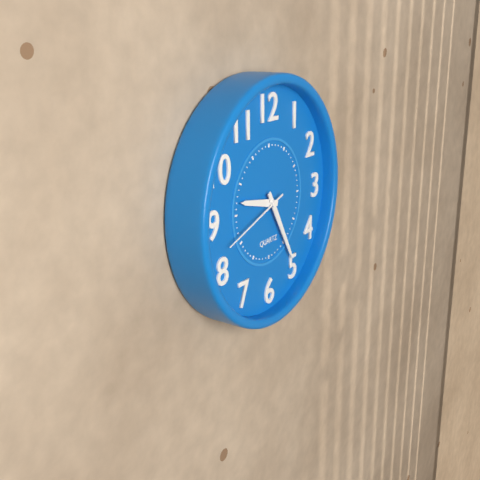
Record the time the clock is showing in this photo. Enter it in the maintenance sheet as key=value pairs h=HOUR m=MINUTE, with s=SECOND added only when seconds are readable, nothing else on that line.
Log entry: h=9 m=25 s=42
